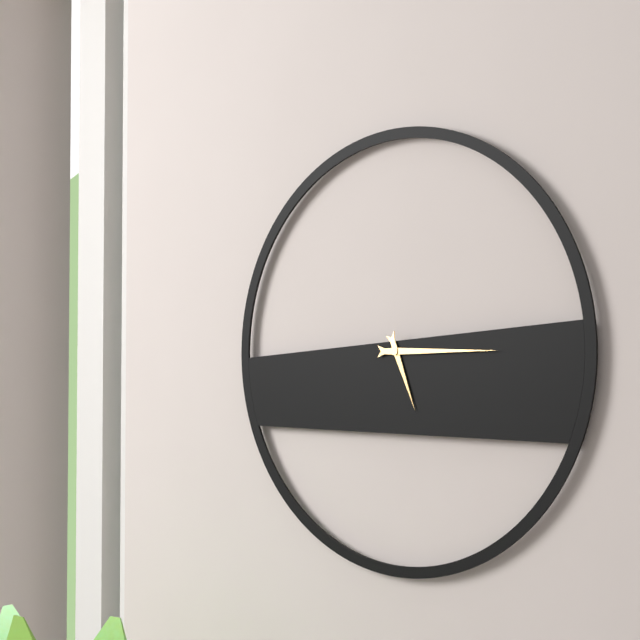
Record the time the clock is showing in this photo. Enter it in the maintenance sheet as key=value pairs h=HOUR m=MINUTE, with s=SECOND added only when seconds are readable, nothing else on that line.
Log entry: h=5 m=15
